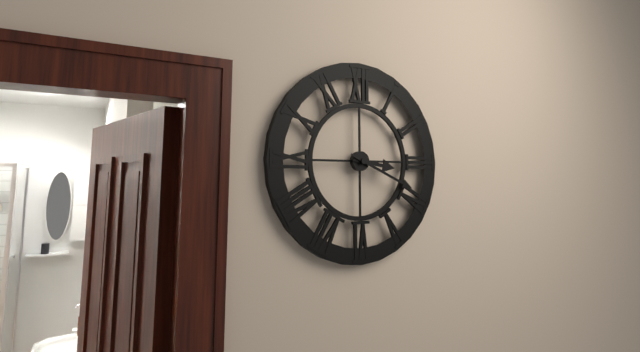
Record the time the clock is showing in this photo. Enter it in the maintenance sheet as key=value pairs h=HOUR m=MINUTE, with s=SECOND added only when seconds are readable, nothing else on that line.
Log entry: h=3 m=19
